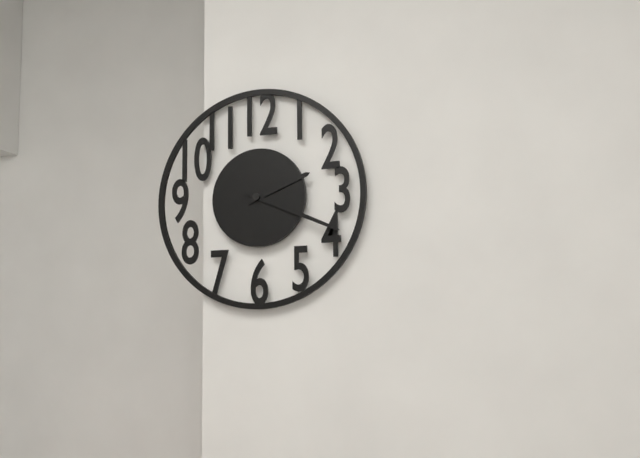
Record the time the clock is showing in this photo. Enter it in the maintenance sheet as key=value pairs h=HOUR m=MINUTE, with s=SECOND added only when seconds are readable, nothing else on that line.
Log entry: h=2 m=19
